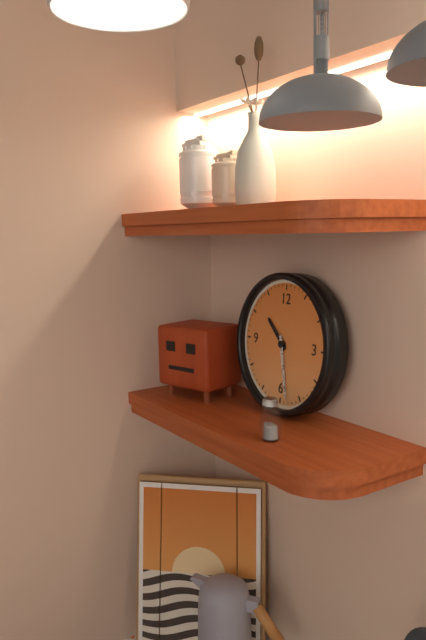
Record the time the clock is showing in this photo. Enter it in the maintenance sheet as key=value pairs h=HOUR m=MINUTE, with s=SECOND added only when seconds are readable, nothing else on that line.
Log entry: h=10 m=28
